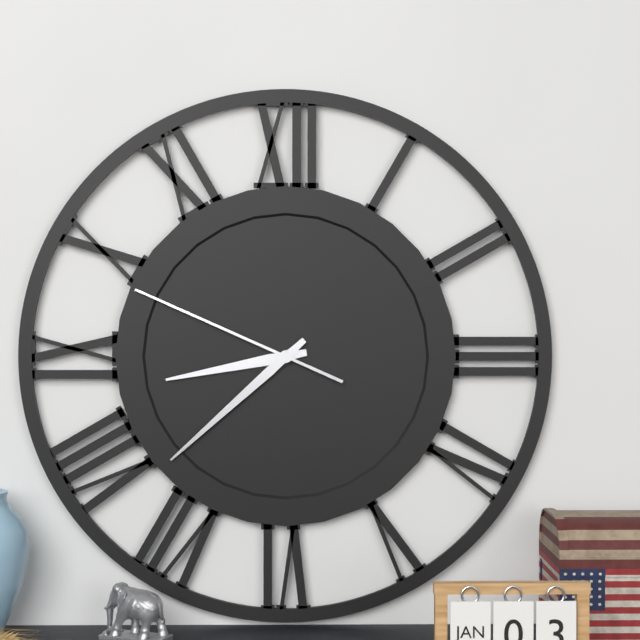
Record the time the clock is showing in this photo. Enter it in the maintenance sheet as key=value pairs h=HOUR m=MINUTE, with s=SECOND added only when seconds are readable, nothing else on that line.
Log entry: h=8 m=38 s=49
